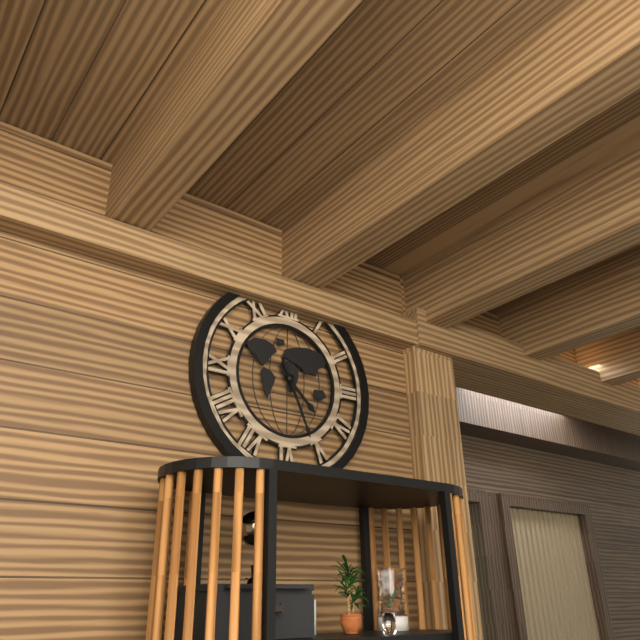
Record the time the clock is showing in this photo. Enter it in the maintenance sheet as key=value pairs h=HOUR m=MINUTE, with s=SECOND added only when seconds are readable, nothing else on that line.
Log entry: h=4 m=26
